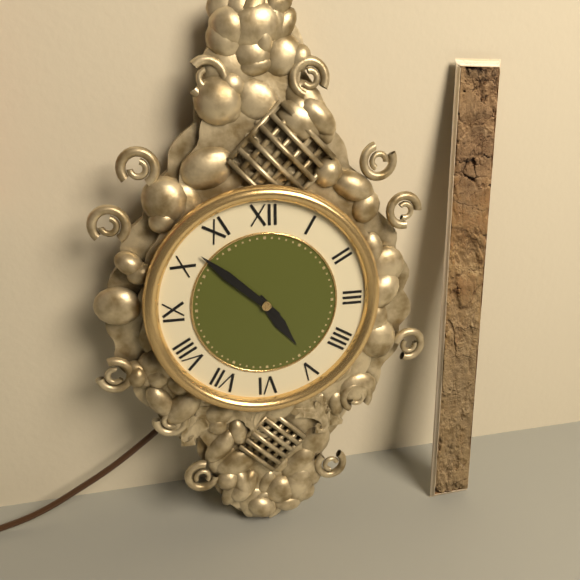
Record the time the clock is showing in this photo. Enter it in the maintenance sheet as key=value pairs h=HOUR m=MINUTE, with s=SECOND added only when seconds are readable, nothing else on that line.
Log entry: h=4 m=52
